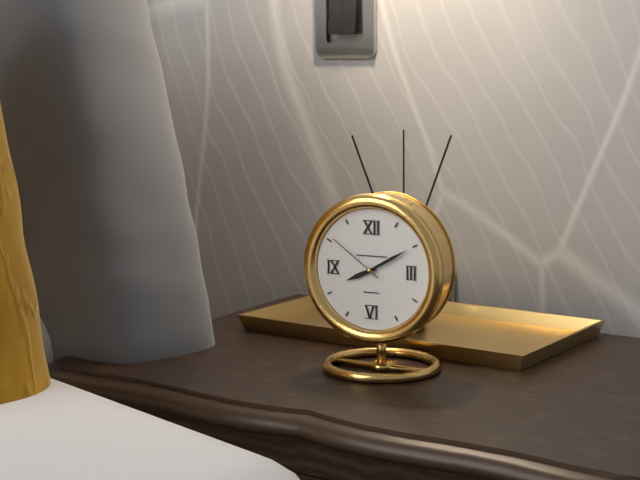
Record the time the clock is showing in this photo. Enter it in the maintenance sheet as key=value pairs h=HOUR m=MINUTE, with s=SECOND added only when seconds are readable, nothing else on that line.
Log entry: h=8 m=10 s=51
